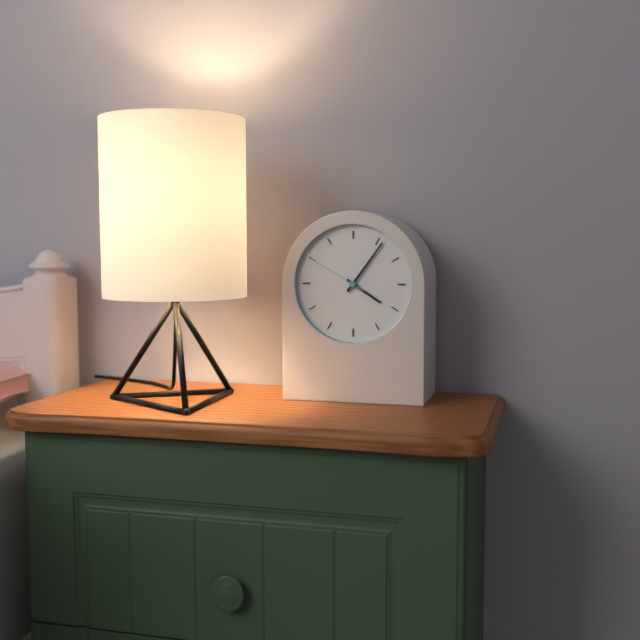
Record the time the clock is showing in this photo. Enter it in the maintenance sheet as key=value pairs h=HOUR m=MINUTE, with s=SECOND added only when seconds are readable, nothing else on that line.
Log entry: h=4 m=6 s=50
